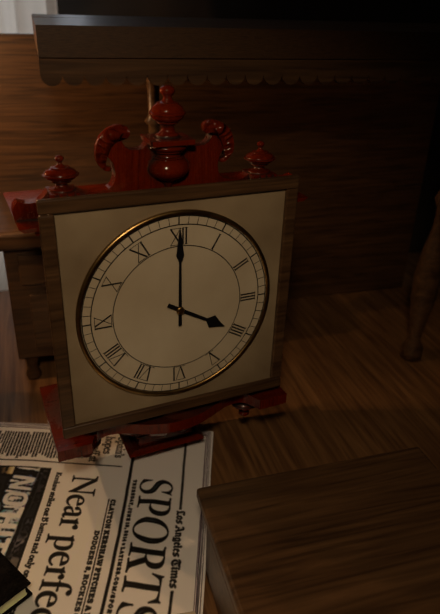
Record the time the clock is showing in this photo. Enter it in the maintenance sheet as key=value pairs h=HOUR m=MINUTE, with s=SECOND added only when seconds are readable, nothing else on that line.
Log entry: h=4 m=0
